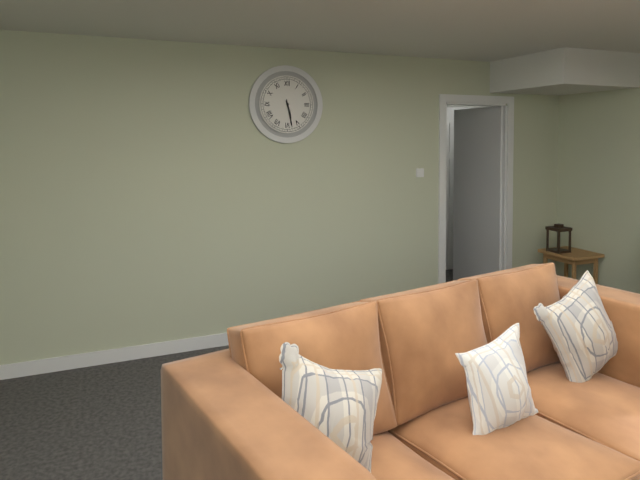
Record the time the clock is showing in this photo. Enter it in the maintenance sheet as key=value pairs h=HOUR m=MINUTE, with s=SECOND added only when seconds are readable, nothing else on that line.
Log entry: h=5 m=28
